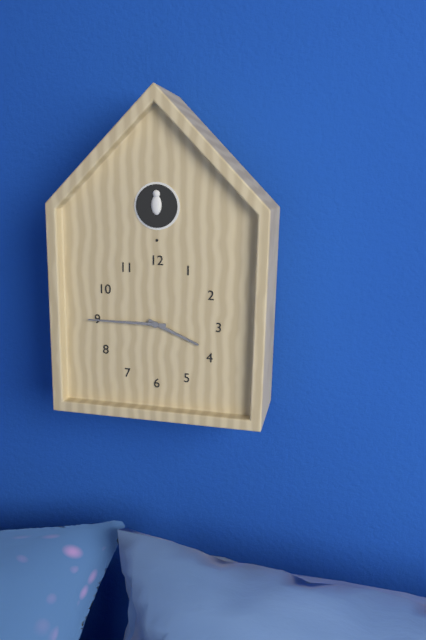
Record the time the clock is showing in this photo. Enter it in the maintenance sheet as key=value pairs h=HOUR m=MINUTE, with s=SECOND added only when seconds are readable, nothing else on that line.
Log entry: h=3 m=45
